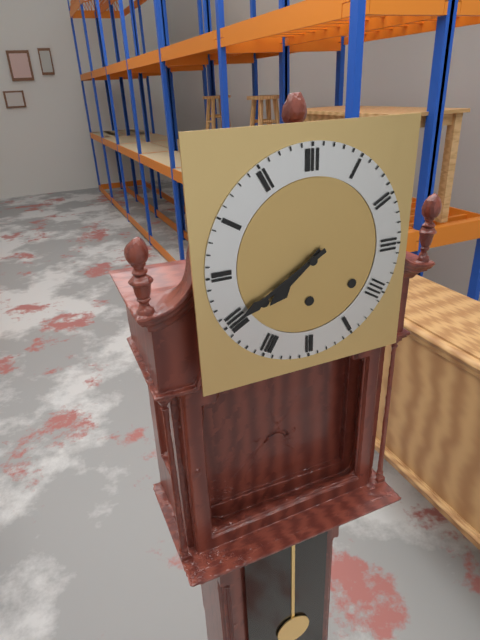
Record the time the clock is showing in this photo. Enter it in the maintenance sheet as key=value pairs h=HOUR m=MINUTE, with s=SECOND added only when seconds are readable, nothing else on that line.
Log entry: h=7 m=40
